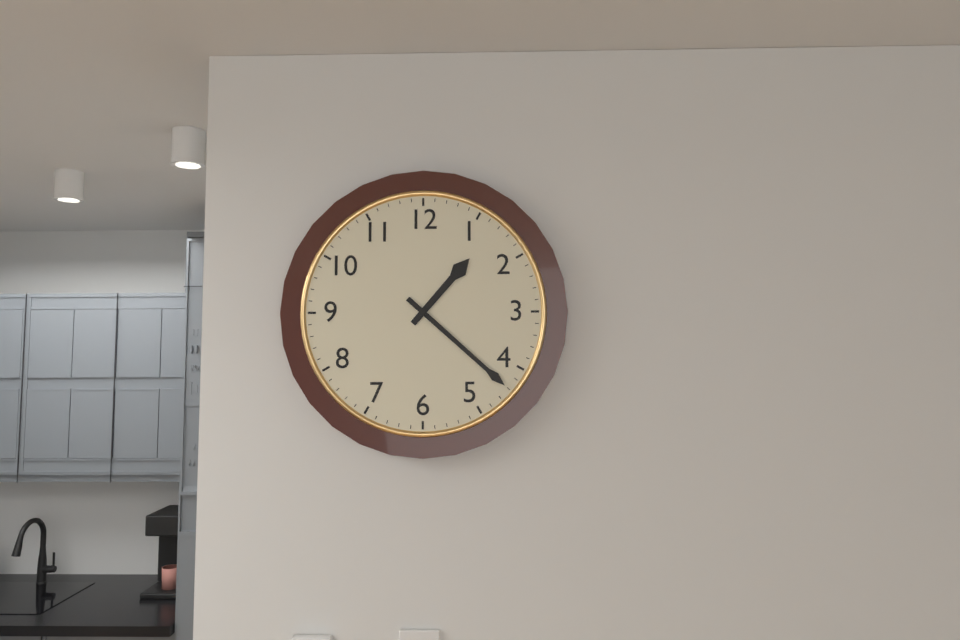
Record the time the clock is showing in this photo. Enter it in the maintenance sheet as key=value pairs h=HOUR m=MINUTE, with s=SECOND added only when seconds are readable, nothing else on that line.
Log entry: h=1 m=22
